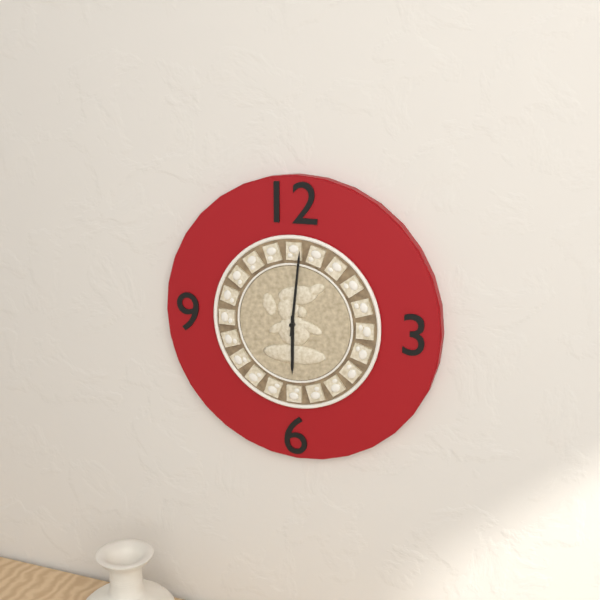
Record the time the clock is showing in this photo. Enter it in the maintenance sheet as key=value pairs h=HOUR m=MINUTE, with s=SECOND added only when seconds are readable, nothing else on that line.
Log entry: h=6 m=1
